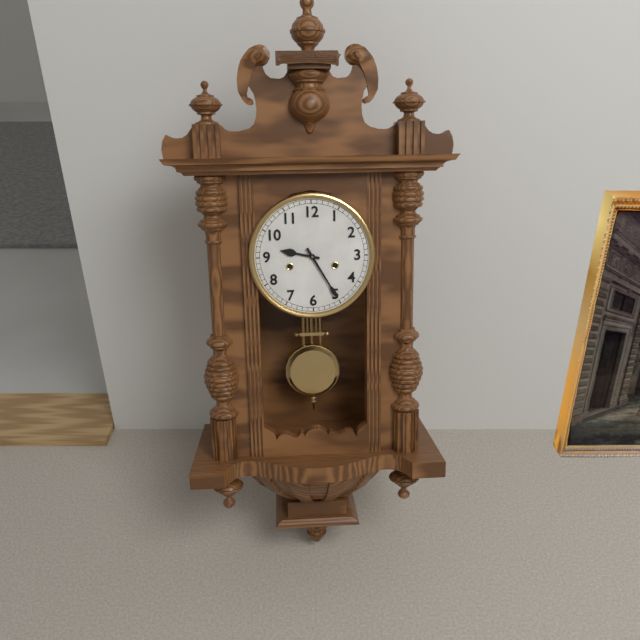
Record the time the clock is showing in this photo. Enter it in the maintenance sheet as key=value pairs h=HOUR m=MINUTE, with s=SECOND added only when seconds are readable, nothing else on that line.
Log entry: h=9 m=25
